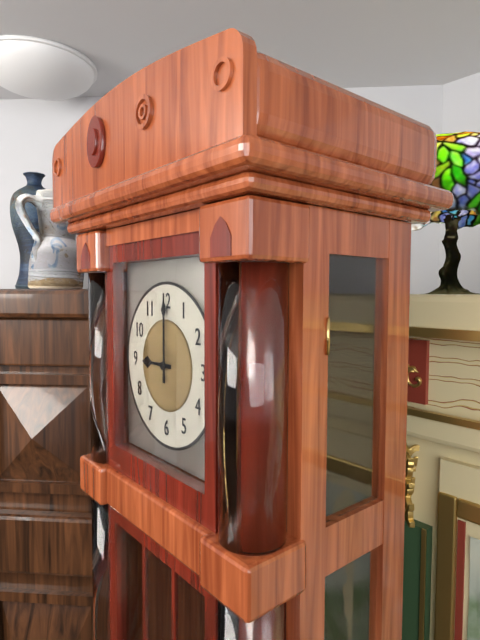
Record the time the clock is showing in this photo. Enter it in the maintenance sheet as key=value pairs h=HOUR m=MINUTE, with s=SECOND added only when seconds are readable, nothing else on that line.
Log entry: h=9 m=0
